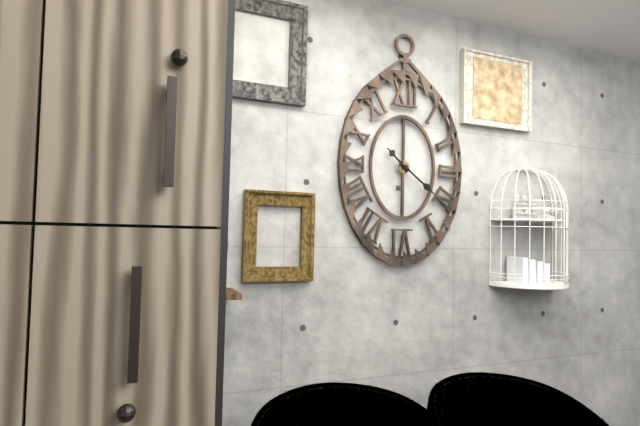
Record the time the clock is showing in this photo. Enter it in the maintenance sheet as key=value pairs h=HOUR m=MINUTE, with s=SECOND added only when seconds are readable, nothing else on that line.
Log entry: h=10 m=21
